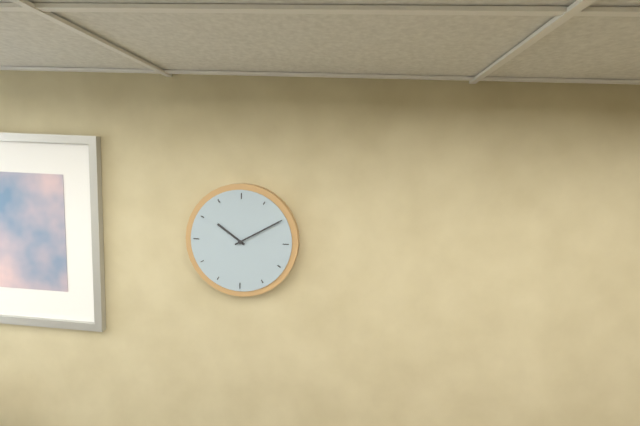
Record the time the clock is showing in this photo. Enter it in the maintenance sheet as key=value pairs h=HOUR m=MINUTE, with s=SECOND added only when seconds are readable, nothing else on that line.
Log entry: h=10 m=10
